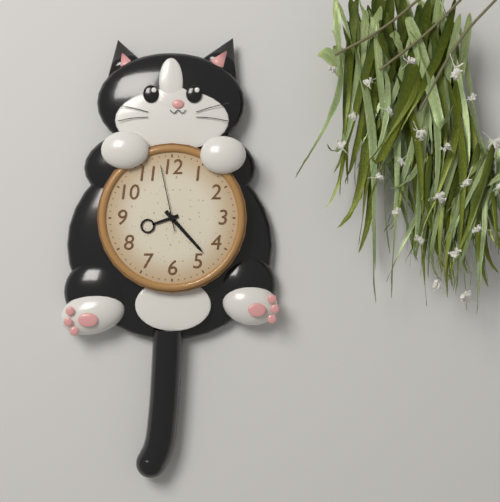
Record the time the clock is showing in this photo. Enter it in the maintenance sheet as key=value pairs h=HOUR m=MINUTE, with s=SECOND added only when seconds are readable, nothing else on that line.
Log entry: h=8 m=23 s=58
